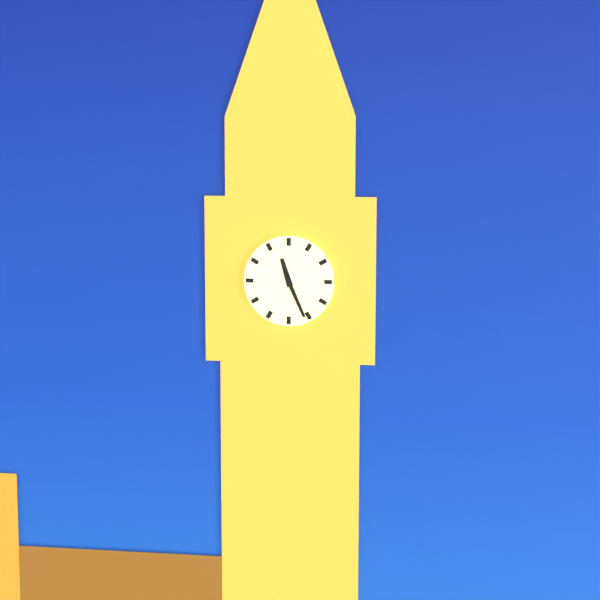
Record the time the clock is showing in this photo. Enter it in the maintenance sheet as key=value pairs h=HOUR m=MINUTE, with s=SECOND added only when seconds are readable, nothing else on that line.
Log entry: h=11 m=26
